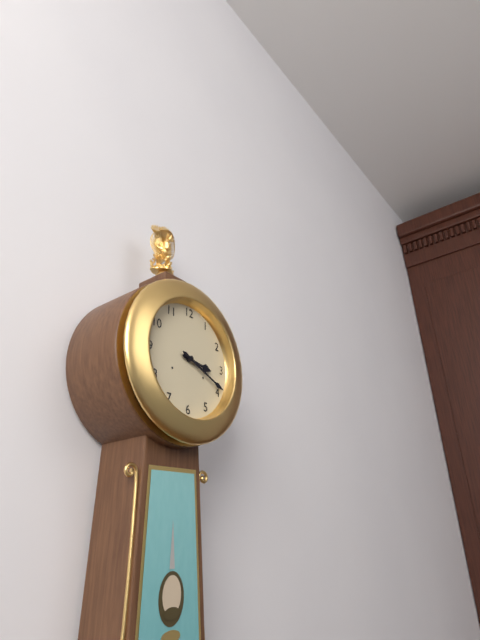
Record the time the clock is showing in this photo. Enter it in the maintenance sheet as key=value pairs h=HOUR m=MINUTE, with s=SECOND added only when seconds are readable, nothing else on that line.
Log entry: h=3 m=19
